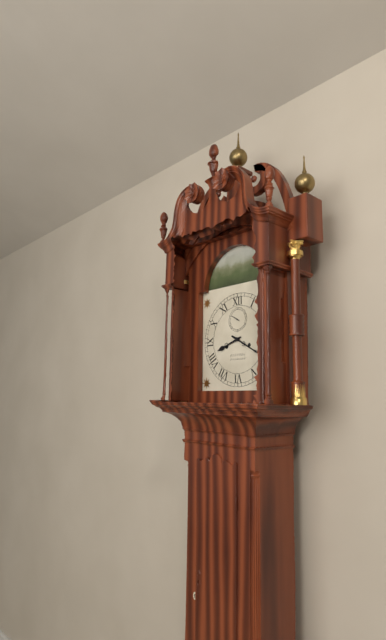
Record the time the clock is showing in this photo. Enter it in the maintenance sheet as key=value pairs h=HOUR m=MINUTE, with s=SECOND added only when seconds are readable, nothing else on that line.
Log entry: h=8 m=20
